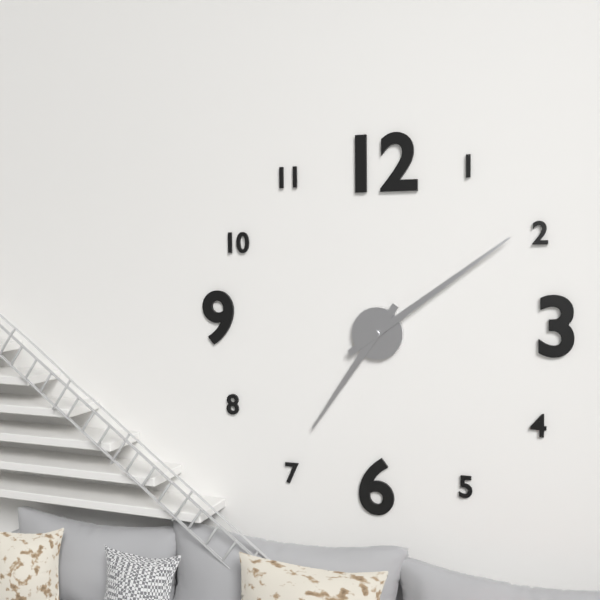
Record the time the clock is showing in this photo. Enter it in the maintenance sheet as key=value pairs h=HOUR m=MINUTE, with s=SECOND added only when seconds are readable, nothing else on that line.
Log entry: h=7 m=9
